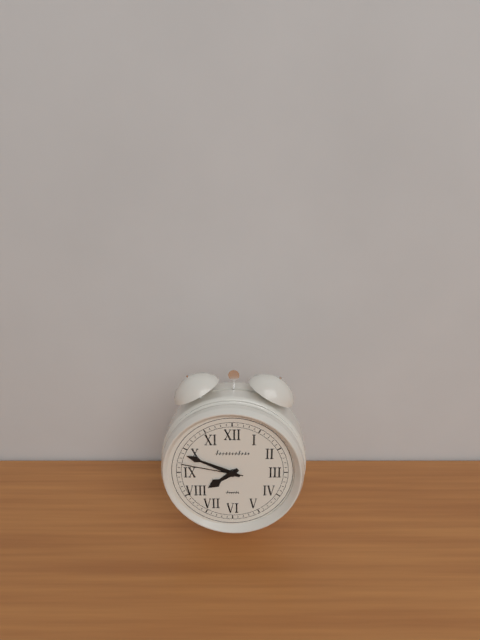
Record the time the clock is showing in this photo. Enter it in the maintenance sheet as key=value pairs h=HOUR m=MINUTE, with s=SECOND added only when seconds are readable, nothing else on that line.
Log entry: h=7 m=49 s=47
